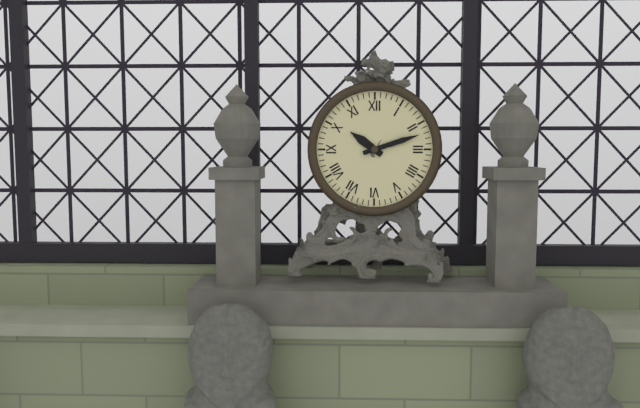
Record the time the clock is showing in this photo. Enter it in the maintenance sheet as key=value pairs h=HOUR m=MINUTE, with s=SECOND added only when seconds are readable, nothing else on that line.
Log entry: h=10 m=12
